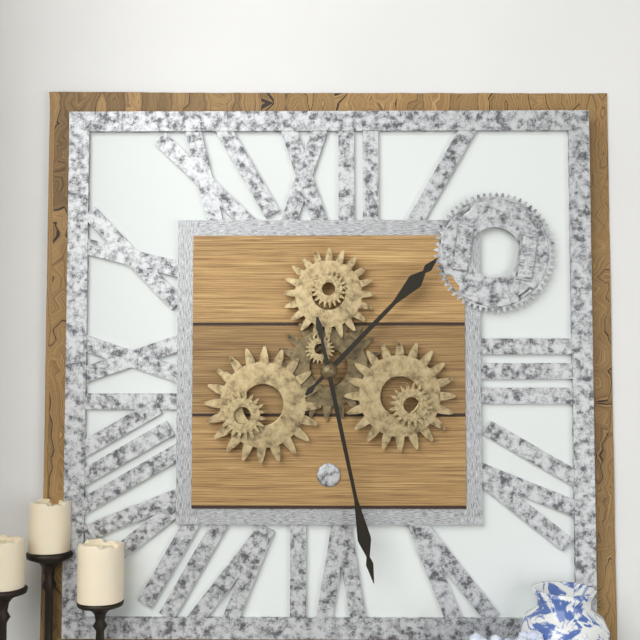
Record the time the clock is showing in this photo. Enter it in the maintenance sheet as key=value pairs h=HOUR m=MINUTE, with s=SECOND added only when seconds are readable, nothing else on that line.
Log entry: h=1 m=28
